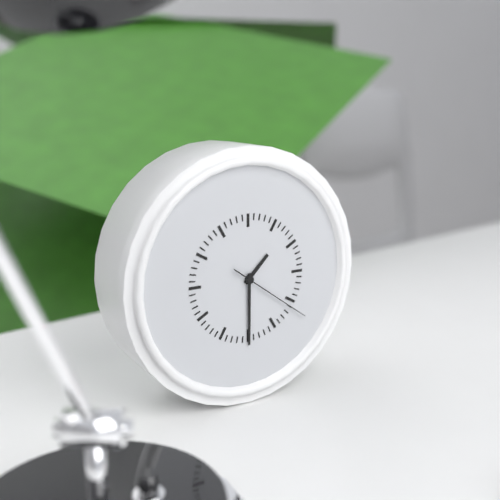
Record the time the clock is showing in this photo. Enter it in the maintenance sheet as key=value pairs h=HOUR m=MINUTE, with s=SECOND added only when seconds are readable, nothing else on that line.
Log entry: h=1 m=30 s=21
